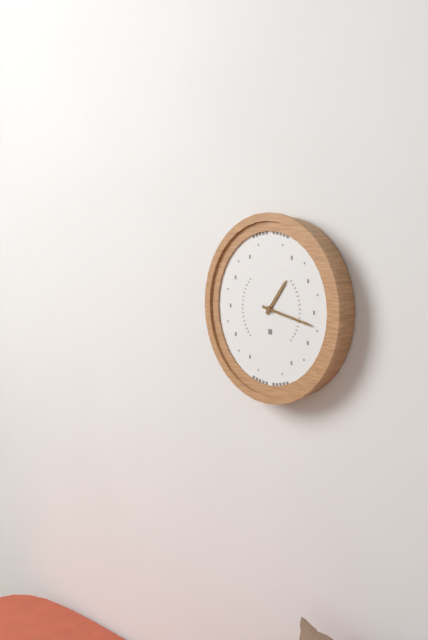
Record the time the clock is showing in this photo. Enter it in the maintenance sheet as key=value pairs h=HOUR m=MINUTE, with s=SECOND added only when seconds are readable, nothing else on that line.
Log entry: h=1 m=17
